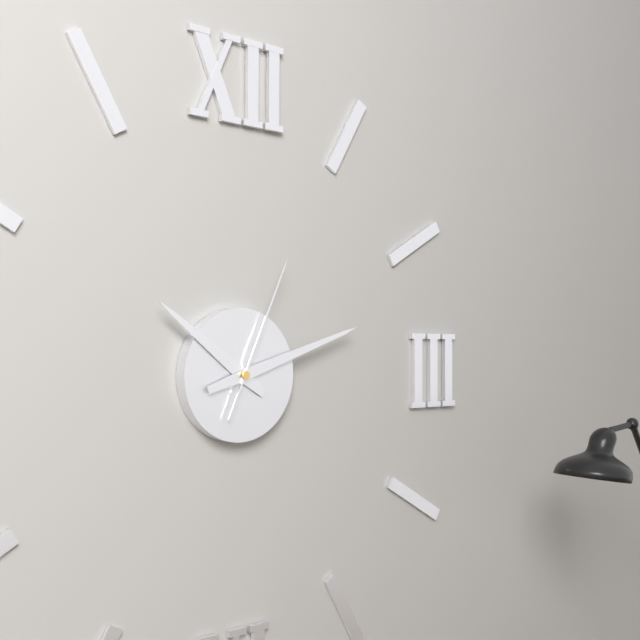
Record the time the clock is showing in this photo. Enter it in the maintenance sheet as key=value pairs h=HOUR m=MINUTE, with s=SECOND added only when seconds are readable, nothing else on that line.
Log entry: h=10 m=12 s=4
